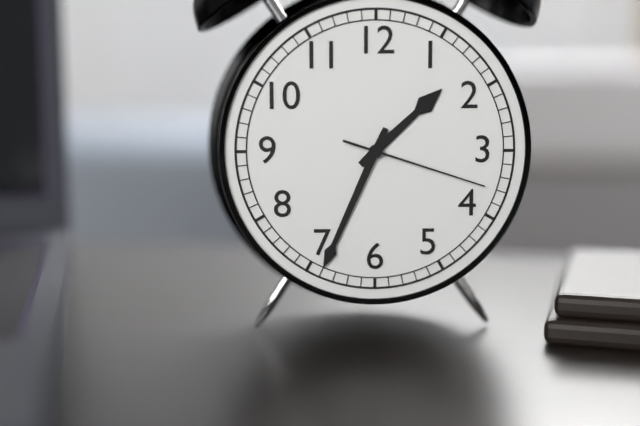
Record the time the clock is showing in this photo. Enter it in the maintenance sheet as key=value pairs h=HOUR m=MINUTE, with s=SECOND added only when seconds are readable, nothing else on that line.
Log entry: h=1 m=34 s=18
